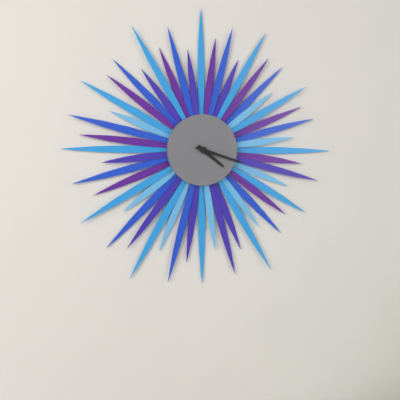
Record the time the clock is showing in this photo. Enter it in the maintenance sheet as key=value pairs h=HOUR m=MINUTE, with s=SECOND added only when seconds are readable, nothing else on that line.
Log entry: h=4 m=18
